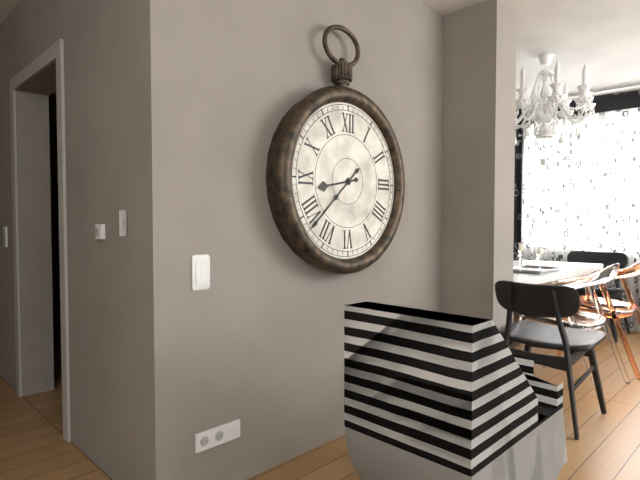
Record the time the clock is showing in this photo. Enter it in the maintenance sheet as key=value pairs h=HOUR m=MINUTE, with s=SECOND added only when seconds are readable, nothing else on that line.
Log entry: h=8 m=38
